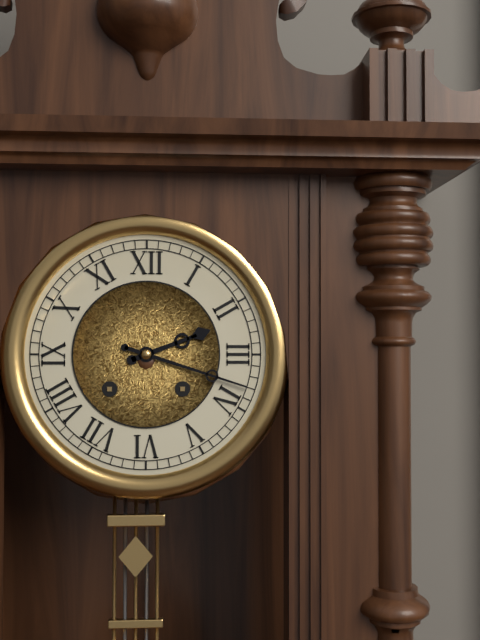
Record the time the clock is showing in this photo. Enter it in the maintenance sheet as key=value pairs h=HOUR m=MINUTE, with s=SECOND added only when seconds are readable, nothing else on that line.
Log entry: h=2 m=18
